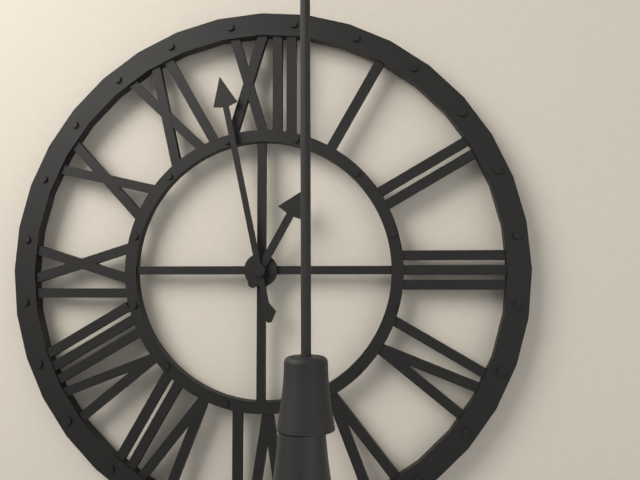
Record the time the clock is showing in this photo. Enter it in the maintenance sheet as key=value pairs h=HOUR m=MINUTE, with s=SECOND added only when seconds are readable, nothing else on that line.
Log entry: h=12 m=58
